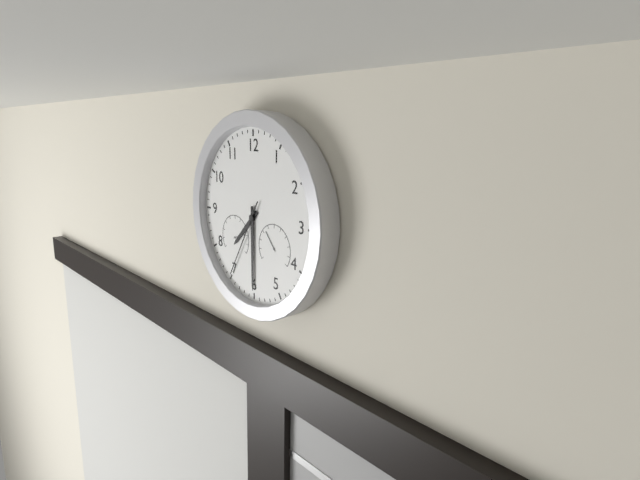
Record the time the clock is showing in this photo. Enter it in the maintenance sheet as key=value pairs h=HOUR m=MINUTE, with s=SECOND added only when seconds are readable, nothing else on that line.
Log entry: h=7 m=30 s=35
